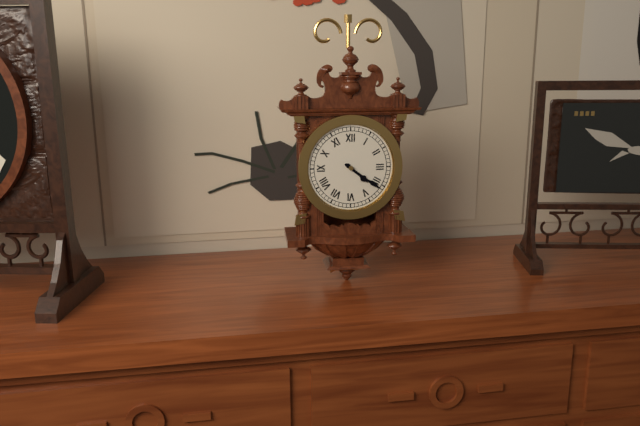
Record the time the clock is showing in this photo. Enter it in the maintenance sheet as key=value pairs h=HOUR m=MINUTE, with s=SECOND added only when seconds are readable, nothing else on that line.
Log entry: h=4 m=21
